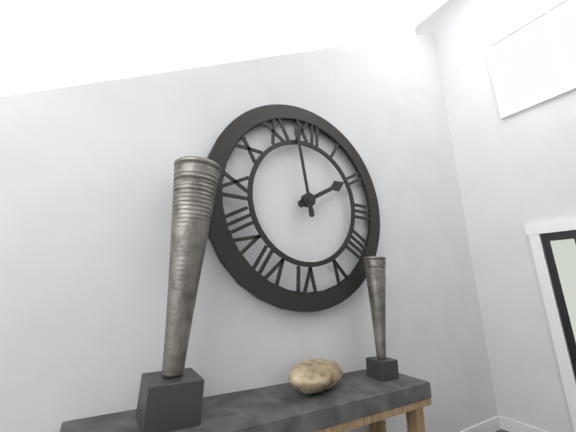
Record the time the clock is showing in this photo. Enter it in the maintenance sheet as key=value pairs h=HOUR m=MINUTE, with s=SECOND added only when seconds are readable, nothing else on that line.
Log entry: h=1 m=58
